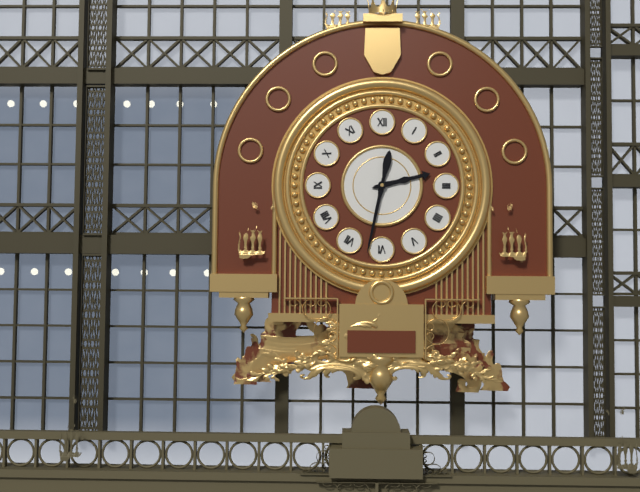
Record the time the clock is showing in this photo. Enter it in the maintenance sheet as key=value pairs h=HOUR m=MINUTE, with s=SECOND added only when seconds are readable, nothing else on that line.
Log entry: h=2 m=32
